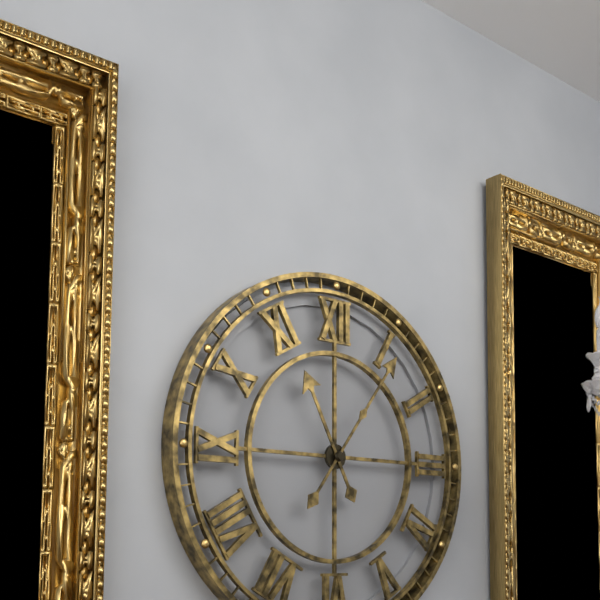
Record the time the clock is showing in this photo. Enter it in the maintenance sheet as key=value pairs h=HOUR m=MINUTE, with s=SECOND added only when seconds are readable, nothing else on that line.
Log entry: h=11 m=6
